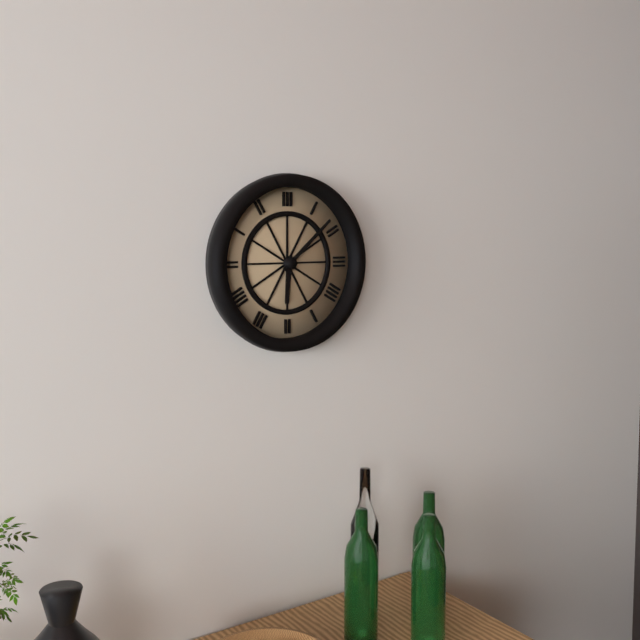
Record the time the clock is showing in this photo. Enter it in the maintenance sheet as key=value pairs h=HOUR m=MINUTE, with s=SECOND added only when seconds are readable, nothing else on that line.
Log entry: h=6 m=8
